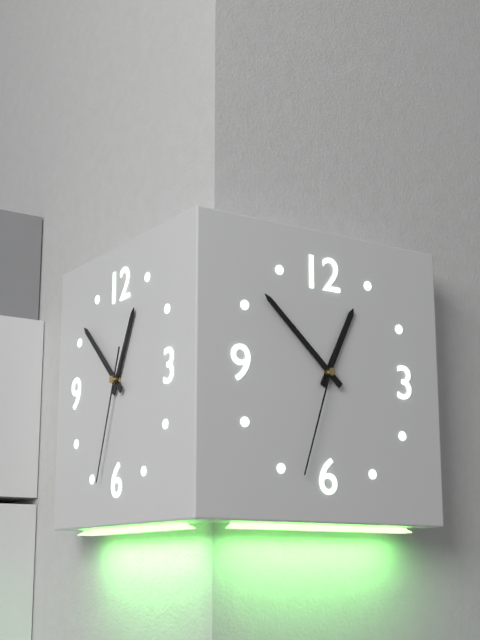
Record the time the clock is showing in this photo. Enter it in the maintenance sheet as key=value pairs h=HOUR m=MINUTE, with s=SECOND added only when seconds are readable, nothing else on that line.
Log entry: h=12 m=52 s=33
